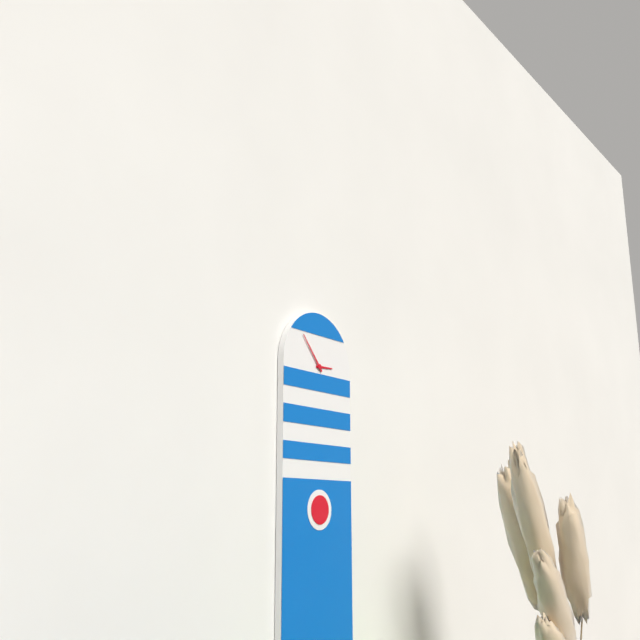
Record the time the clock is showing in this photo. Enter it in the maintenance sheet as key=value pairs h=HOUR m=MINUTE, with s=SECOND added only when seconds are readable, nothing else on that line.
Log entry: h=2 m=53
